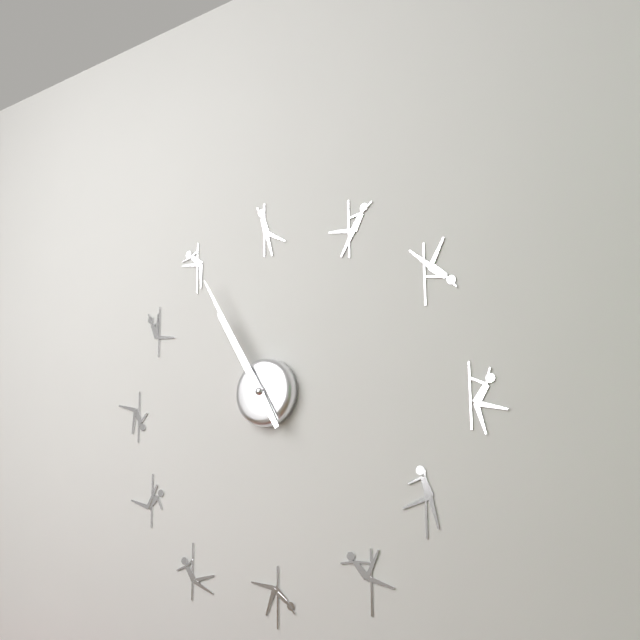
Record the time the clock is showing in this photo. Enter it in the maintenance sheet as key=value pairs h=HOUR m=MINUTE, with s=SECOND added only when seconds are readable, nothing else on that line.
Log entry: h=10 m=55
